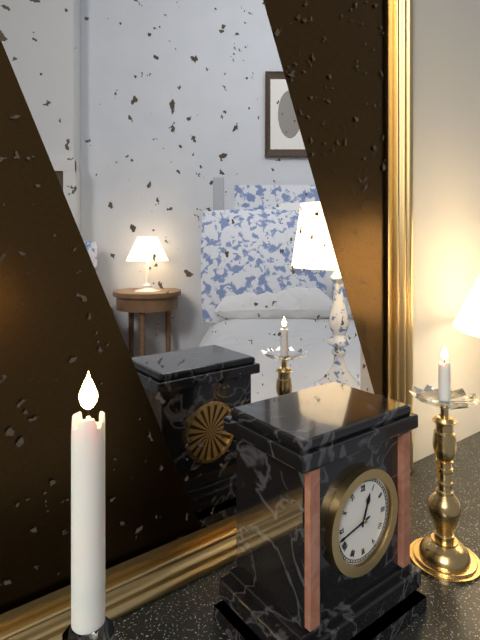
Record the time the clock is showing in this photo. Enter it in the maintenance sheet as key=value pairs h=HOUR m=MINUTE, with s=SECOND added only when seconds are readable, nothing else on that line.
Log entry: h=12 m=43
